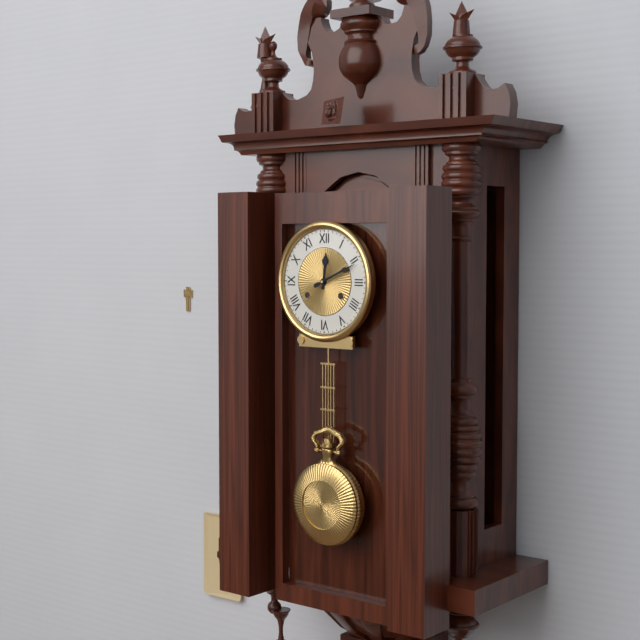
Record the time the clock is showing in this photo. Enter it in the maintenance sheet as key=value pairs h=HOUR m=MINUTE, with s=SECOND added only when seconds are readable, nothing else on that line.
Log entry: h=12 m=11
